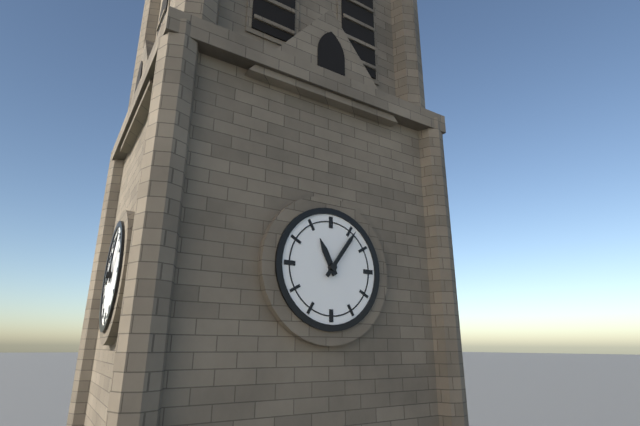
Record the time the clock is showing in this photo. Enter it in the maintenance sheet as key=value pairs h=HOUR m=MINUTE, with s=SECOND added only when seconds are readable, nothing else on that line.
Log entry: h=11 m=6
